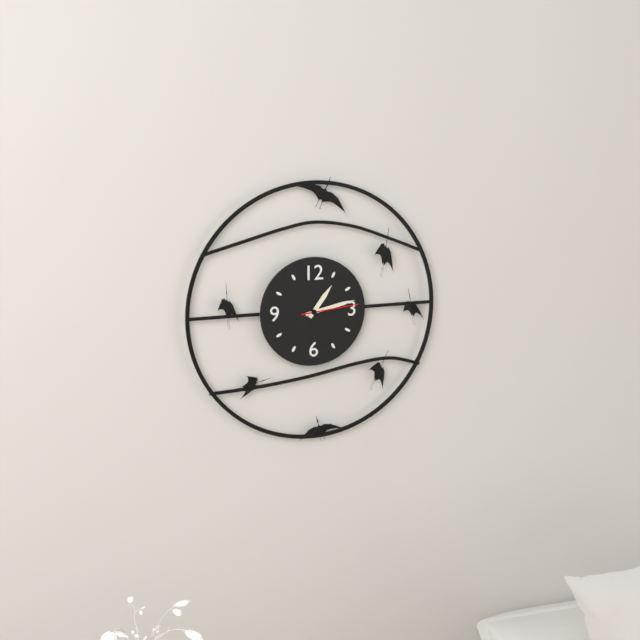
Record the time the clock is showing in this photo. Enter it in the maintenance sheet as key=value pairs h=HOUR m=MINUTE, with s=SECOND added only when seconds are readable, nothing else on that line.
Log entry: h=1 m=13 s=14
